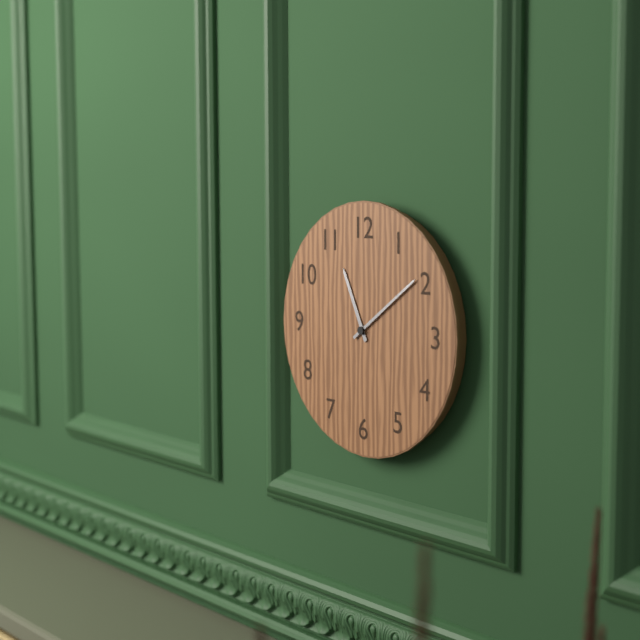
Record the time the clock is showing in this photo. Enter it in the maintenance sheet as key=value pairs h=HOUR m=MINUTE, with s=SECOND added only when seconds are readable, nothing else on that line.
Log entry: h=11 m=9
